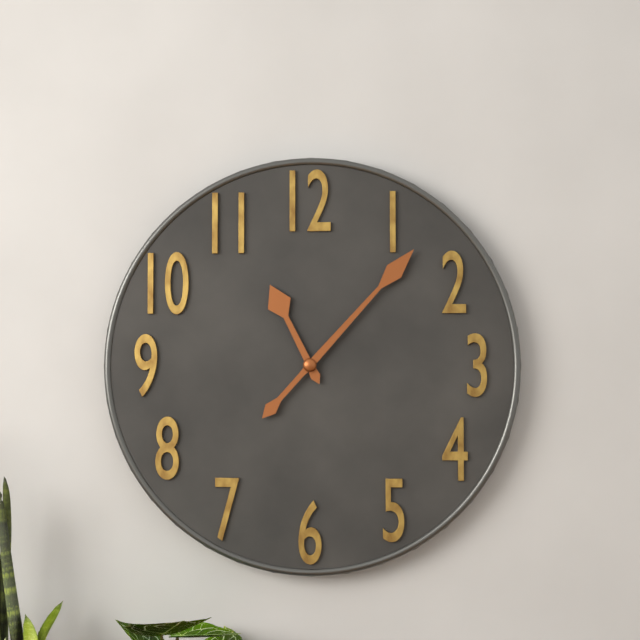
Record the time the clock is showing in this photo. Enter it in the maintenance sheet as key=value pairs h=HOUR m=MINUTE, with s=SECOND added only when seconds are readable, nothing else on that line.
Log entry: h=11 m=7
